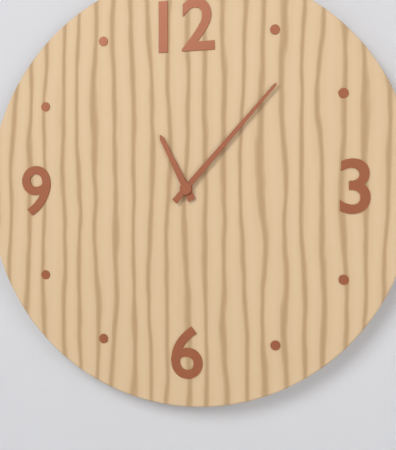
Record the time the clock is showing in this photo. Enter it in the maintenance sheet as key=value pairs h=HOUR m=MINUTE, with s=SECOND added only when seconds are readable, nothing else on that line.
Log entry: h=11 m=7
